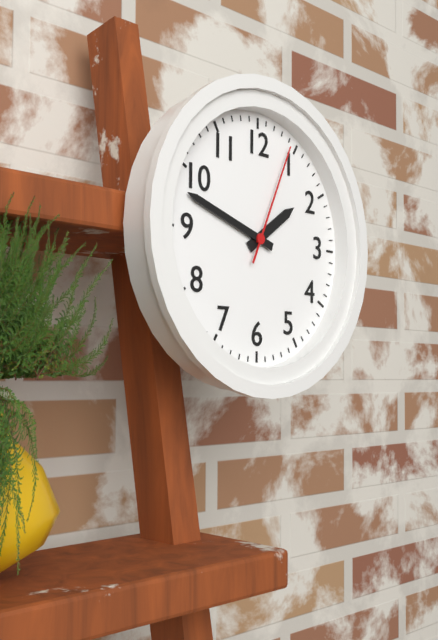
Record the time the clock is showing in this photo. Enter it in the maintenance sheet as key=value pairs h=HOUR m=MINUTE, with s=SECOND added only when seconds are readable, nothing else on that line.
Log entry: h=1 m=48 s=4
